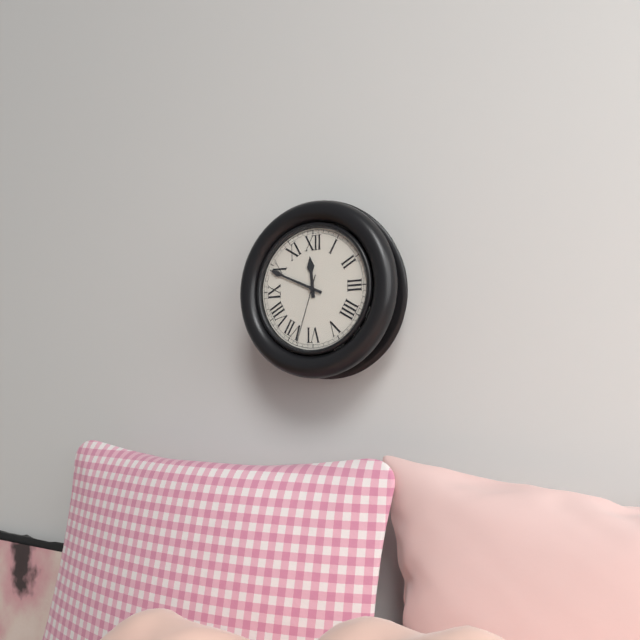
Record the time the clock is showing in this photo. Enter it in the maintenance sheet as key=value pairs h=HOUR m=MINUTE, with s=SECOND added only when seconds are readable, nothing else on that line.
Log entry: h=11 m=49 s=33
